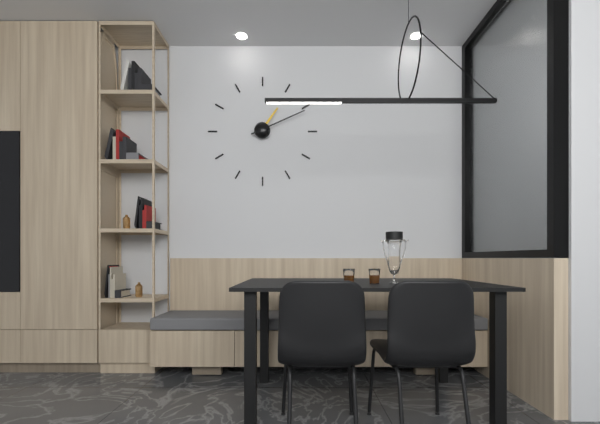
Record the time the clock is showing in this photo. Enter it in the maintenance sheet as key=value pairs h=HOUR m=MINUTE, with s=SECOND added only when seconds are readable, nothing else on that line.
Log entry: h=1 m=11
